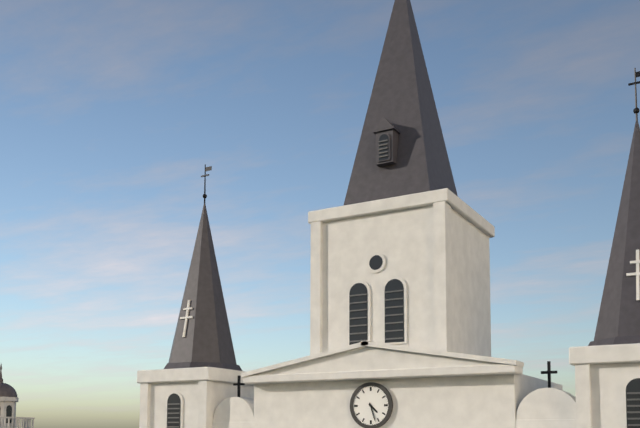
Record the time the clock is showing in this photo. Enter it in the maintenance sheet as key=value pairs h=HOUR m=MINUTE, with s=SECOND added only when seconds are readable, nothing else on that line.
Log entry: h=4 m=27
